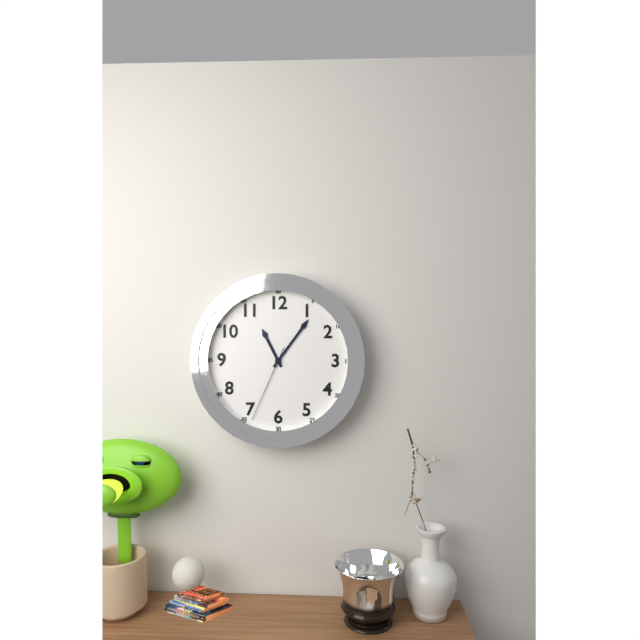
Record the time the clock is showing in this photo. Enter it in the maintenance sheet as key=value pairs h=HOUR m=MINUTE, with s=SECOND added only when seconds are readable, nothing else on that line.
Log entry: h=11 m=6 s=34
